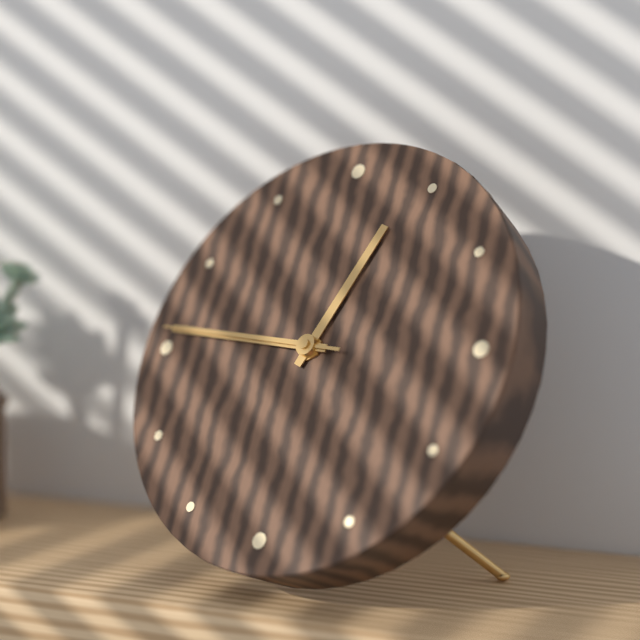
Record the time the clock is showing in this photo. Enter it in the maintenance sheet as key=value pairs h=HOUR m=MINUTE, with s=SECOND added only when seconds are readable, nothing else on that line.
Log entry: h=12 m=46 s=46
